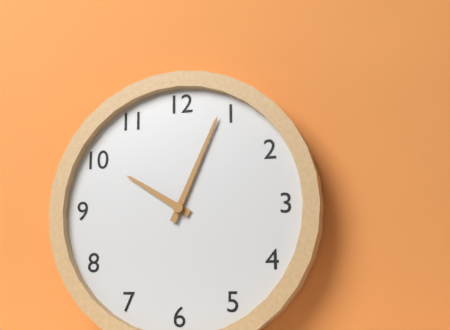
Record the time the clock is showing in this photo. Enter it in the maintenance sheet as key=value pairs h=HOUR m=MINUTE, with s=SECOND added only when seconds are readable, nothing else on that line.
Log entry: h=10 m=4
